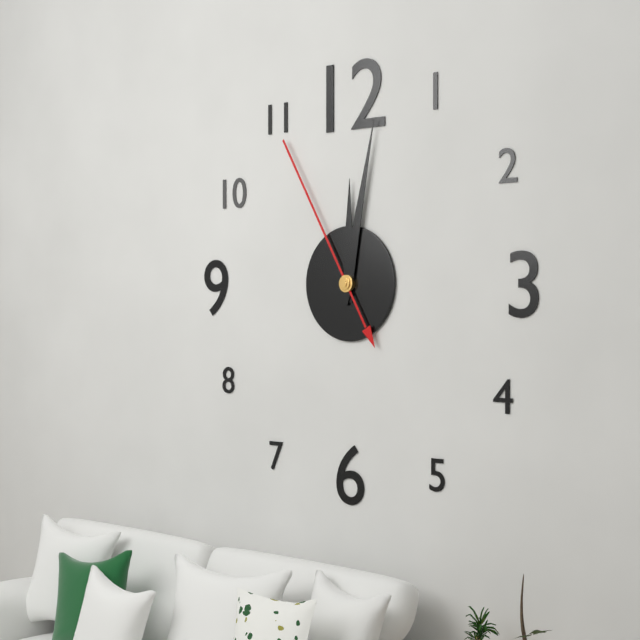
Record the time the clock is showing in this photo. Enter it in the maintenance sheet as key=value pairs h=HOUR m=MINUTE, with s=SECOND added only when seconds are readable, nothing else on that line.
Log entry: h=12 m=2 s=55
